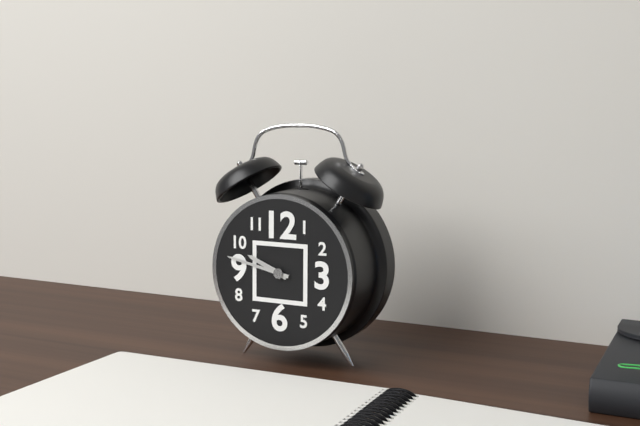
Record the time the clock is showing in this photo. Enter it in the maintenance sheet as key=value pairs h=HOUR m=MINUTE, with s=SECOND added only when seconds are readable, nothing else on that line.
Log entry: h=9 m=47
